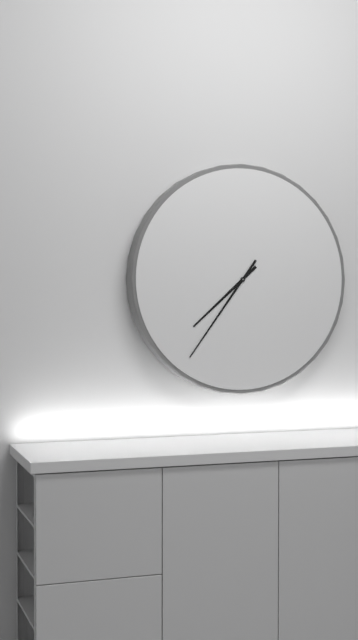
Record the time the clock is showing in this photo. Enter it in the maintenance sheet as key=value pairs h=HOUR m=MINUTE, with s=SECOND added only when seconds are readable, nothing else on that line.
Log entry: h=7 m=36
